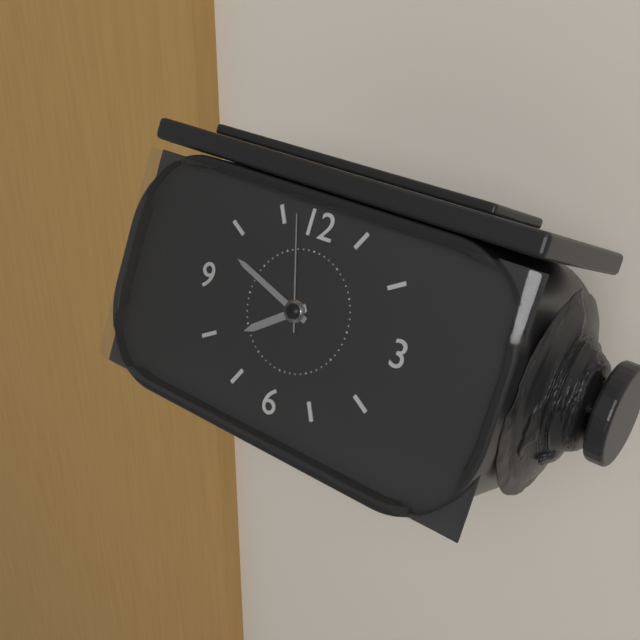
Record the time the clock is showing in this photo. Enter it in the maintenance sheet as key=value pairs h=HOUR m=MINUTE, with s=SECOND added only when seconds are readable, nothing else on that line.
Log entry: h=7 m=48 s=57
